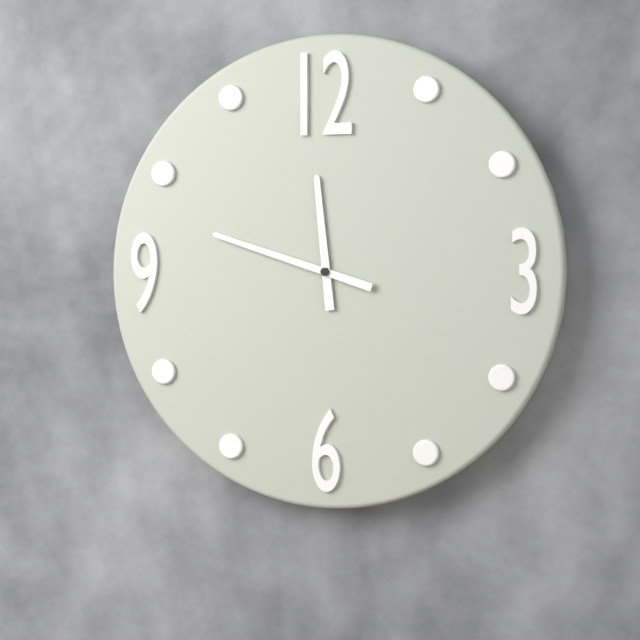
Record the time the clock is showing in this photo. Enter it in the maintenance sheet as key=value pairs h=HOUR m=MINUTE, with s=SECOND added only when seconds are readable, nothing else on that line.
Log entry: h=11 m=48
